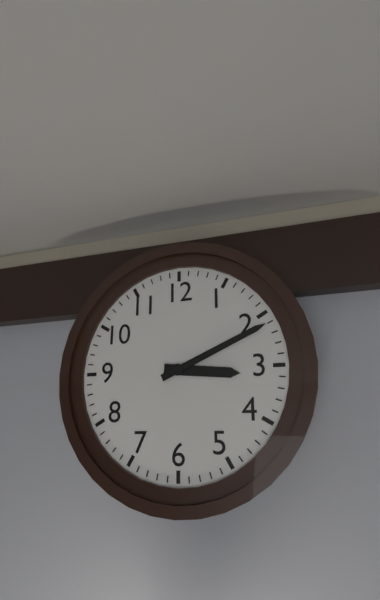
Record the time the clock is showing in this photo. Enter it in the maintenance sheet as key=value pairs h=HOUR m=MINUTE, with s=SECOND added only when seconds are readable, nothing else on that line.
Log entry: h=3 m=11
